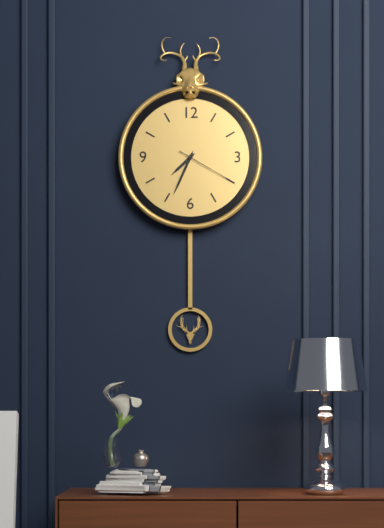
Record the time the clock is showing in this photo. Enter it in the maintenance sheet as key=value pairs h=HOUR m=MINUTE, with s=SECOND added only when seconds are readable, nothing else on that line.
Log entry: h=7 m=34 s=20
